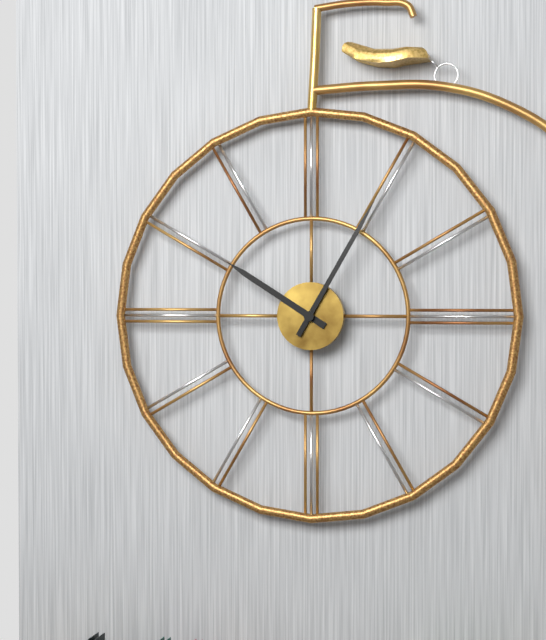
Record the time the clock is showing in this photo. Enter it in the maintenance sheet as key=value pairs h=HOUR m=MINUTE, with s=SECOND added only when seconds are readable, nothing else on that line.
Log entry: h=10 m=5
